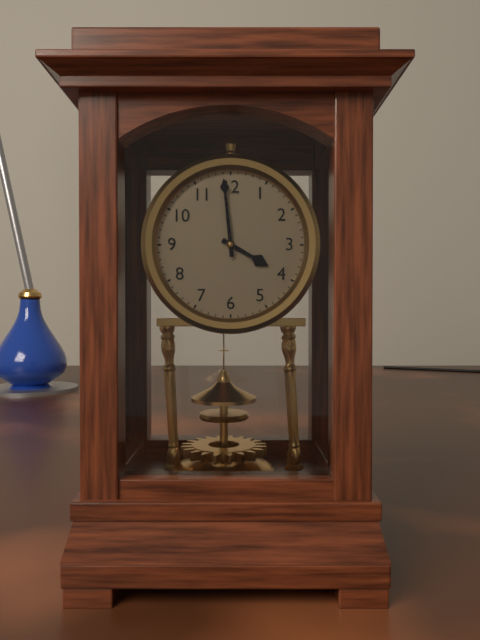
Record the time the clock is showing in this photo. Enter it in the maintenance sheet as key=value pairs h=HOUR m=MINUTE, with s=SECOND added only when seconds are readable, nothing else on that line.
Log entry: h=3 m=59
